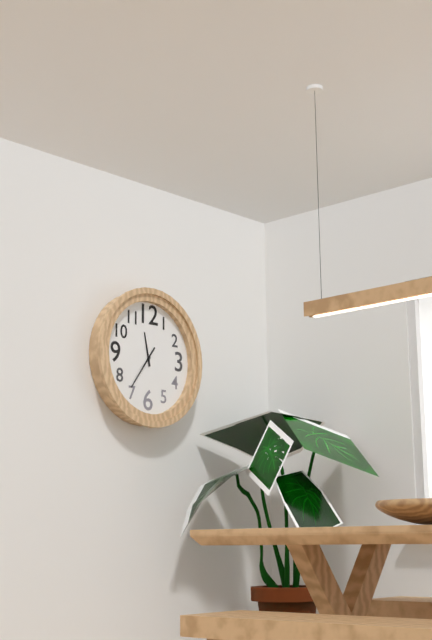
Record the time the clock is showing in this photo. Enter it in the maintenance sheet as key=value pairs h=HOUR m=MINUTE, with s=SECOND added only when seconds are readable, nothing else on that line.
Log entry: h=11 m=36
